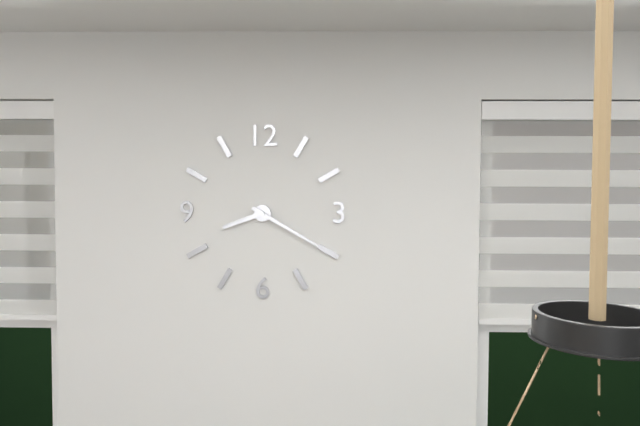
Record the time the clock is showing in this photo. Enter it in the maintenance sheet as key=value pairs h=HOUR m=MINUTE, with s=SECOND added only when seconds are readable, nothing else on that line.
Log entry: h=8 m=20
